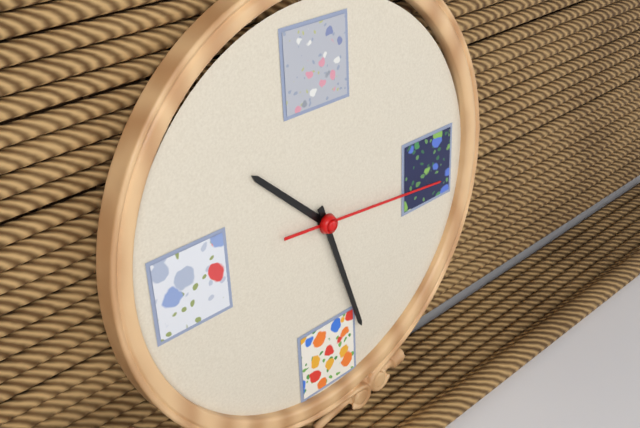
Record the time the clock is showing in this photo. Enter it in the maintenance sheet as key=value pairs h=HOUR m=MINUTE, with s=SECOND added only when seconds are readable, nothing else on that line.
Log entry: h=10 m=27 s=16
